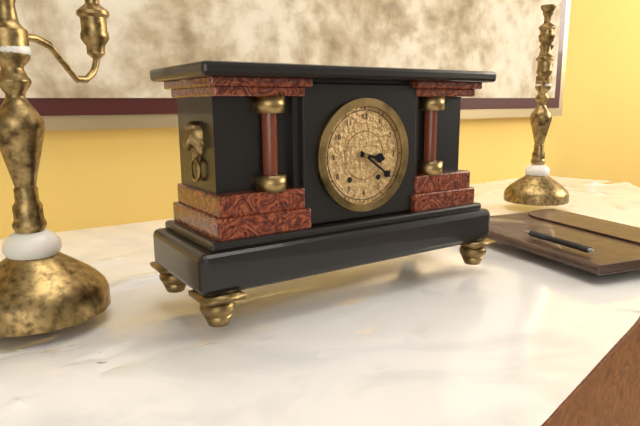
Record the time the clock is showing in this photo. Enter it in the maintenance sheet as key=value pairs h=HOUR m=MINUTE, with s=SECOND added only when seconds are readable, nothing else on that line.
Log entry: h=3 m=21
